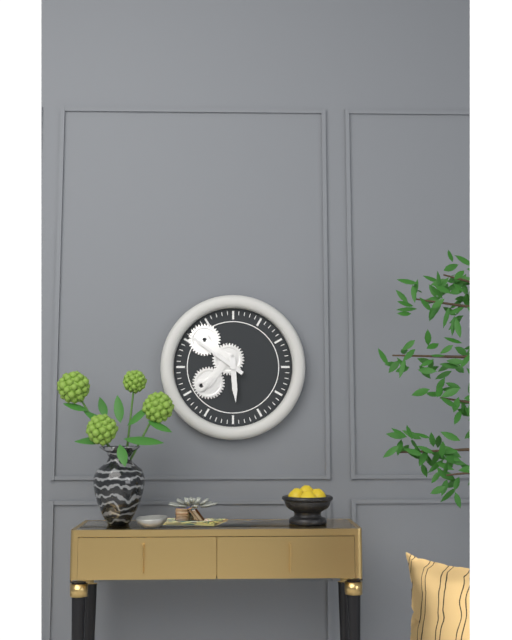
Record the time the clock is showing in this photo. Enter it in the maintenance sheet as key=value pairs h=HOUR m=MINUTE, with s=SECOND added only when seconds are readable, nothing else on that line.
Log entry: h=5 m=51
